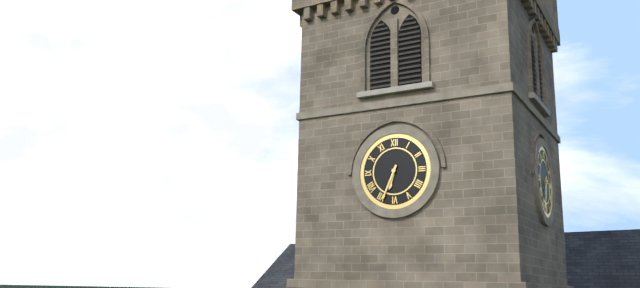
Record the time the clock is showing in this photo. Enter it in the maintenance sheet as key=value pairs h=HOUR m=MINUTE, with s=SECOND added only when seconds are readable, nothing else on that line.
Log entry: h=6 m=34
